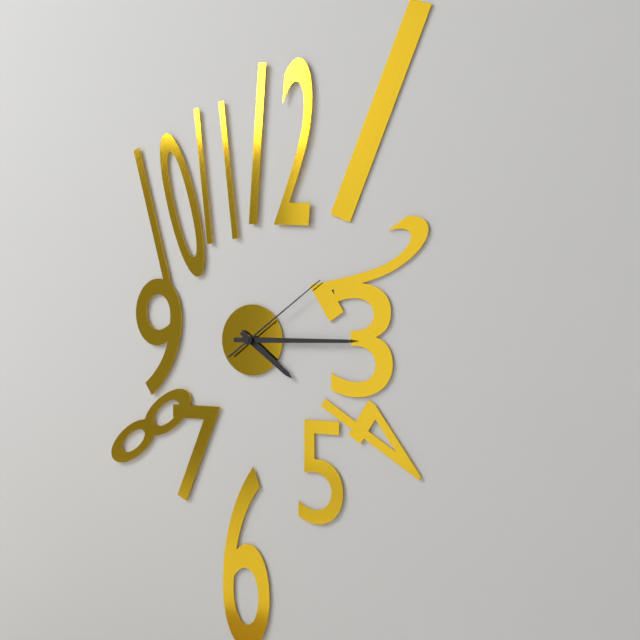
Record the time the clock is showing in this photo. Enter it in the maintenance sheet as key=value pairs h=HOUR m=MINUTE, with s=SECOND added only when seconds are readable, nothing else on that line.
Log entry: h=4 m=15 s=9
